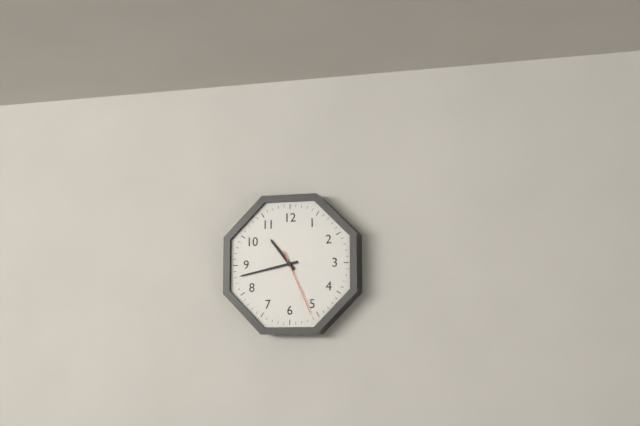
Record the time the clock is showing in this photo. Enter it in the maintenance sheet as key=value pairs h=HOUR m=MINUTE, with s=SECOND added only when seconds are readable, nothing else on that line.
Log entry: h=10 m=43 s=26
